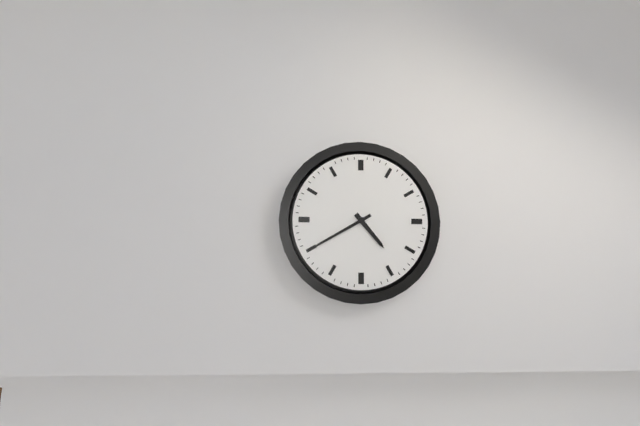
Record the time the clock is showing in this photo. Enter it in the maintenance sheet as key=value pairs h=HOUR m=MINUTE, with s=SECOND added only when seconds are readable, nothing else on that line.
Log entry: h=4 m=40
